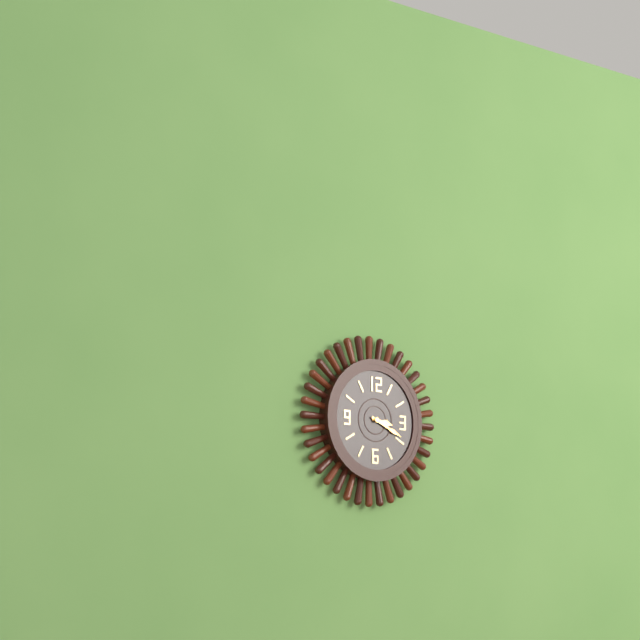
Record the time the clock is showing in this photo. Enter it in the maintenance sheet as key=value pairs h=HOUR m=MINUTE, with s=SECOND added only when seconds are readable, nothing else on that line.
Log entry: h=3 m=19
